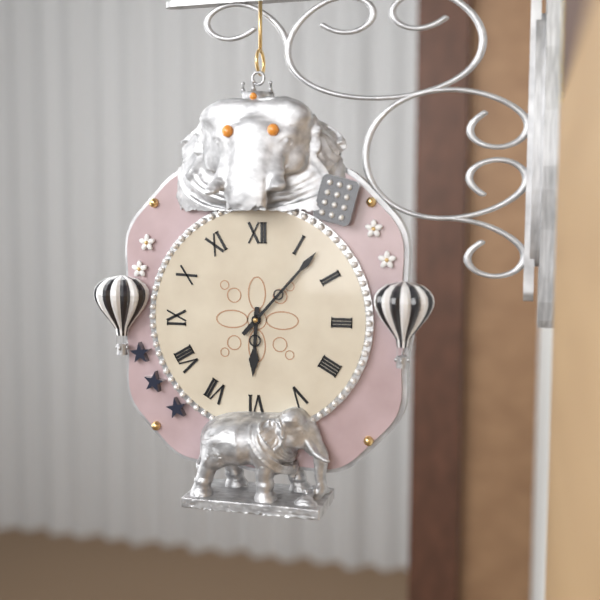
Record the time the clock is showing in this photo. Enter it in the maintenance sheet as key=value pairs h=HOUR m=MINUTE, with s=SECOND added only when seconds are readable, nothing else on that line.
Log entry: h=6 m=7
